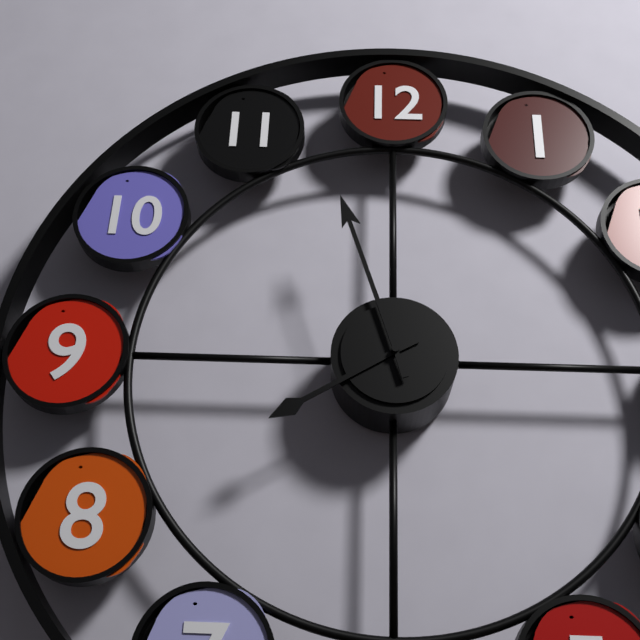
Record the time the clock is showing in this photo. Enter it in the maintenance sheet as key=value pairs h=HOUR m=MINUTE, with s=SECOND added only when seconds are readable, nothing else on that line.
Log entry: h=7 m=57
